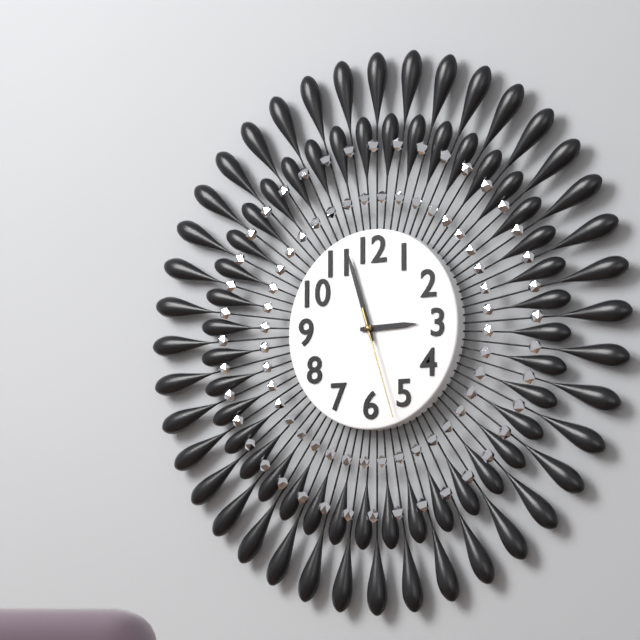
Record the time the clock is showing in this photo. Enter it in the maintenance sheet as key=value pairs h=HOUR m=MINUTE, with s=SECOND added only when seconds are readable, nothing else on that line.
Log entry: h=2 m=57 s=27
